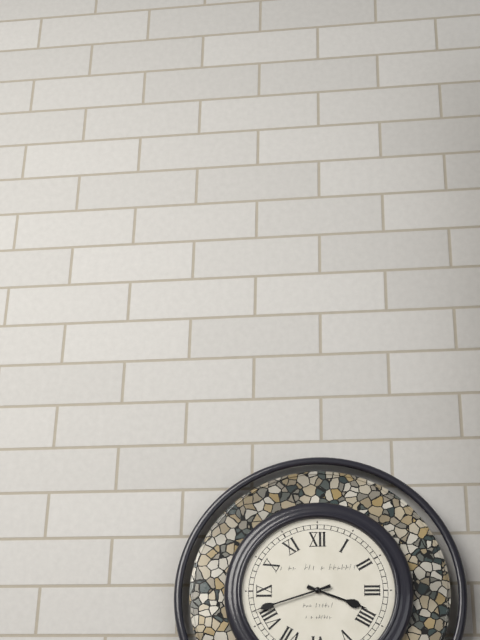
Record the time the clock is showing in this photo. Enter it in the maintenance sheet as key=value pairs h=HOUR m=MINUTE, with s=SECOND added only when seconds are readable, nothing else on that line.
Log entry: h=3 m=42
